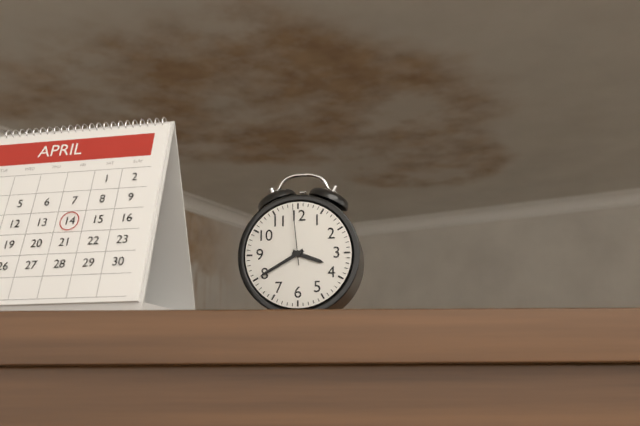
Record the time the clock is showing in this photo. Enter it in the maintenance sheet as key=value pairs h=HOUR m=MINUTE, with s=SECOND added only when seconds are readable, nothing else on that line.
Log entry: h=3 m=40 s=59
